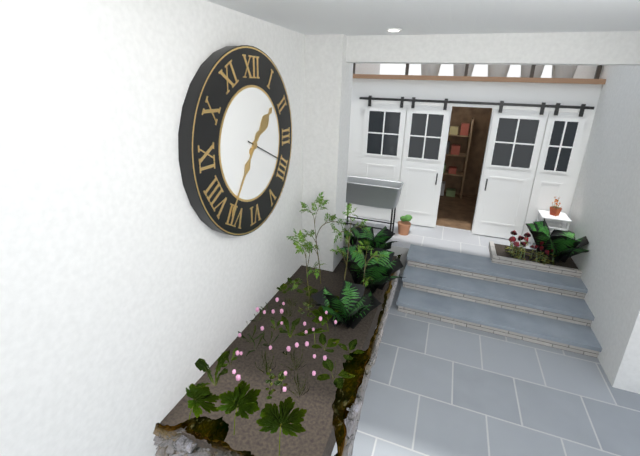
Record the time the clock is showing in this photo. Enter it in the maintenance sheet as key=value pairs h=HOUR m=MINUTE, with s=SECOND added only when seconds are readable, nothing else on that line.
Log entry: h=1 m=36
